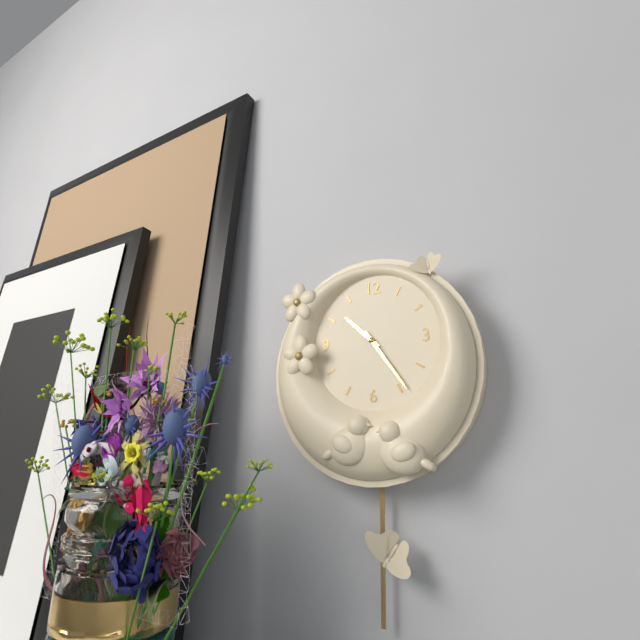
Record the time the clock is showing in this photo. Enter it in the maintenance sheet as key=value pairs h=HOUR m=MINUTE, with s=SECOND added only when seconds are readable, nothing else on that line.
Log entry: h=10 m=24
